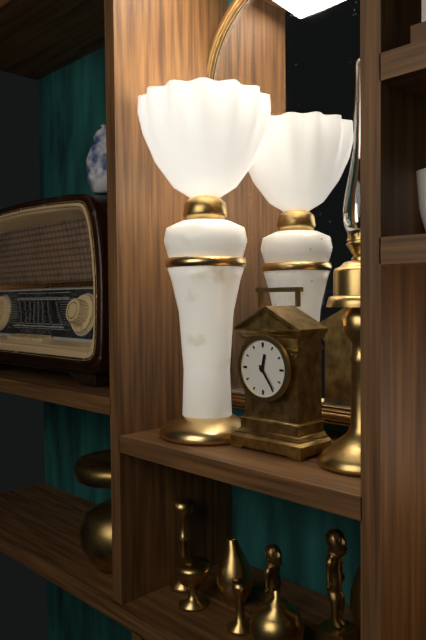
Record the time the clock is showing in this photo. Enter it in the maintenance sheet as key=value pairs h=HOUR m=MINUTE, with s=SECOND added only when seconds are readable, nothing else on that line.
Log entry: h=12 m=24
